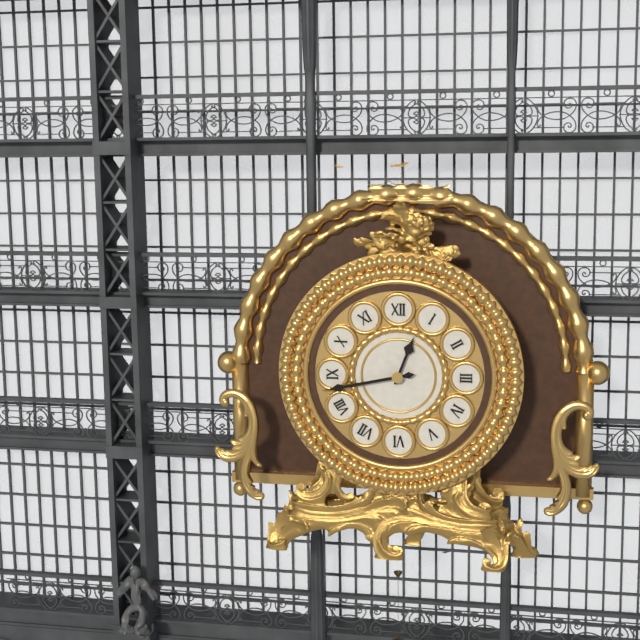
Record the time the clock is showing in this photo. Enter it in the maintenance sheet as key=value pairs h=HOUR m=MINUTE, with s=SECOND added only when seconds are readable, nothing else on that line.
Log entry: h=12 m=43
